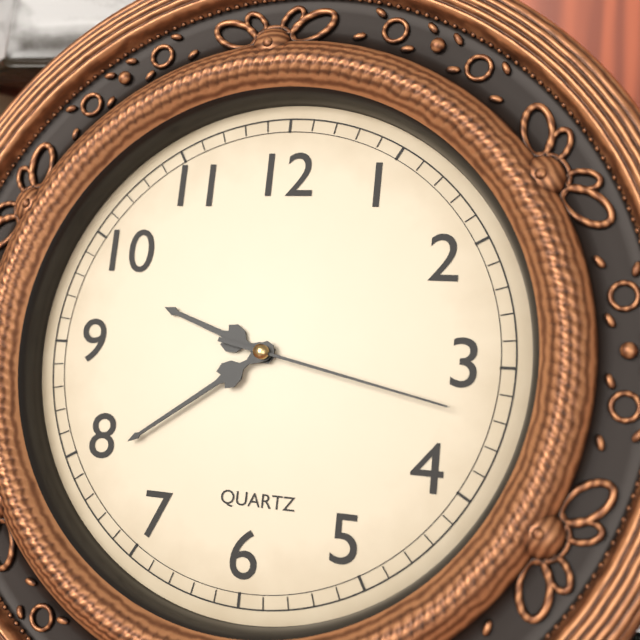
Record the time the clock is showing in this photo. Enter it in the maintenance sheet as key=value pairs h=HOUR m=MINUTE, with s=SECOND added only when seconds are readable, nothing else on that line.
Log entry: h=9 m=39 s=17
